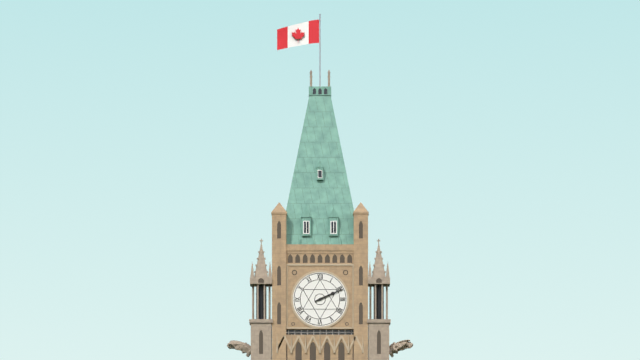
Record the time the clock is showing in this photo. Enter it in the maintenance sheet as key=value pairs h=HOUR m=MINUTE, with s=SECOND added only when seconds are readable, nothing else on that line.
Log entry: h=2 m=11
